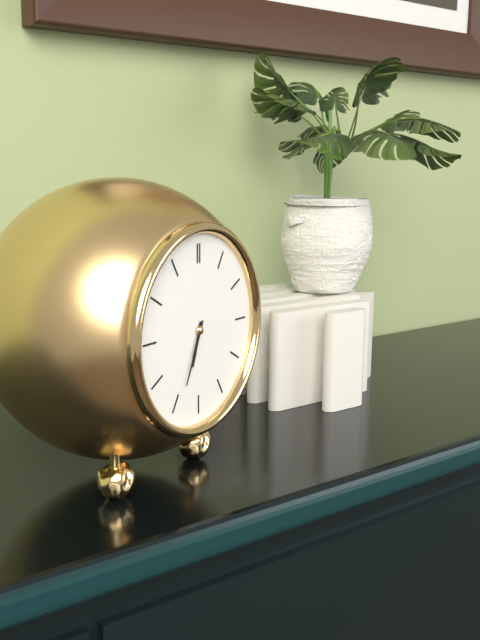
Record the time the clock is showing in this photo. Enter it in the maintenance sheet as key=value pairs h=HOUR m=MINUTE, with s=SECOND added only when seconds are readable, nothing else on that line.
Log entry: h=6 m=34
